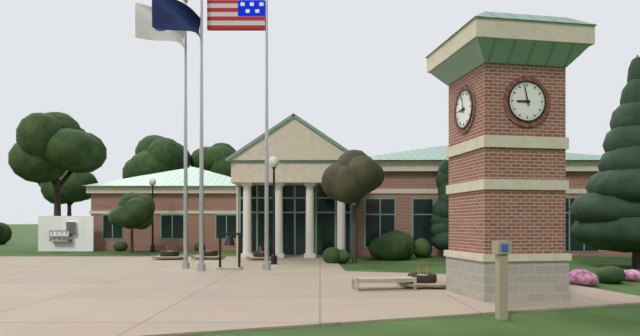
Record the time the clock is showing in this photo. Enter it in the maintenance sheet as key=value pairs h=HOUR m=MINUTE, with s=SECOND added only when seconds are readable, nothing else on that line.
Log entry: h=8 m=58
